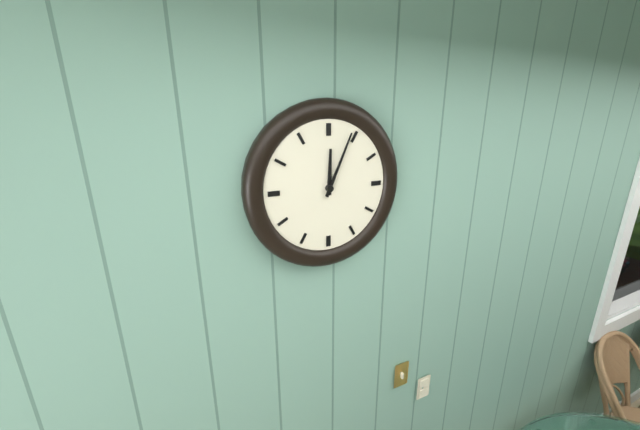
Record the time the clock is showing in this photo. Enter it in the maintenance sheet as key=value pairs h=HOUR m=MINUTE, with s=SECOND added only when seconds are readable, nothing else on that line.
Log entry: h=12 m=4
